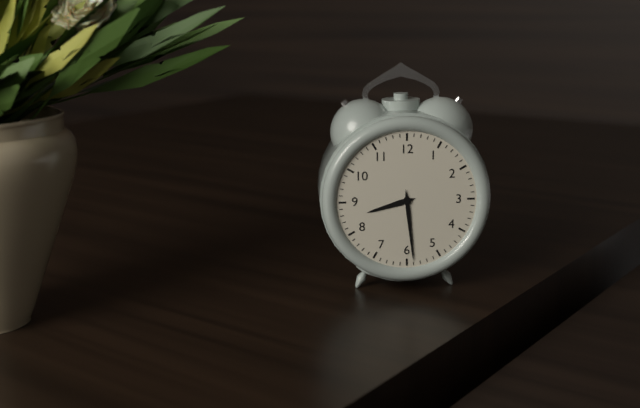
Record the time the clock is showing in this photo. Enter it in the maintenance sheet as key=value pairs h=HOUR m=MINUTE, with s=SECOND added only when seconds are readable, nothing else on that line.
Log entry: h=8 m=29
